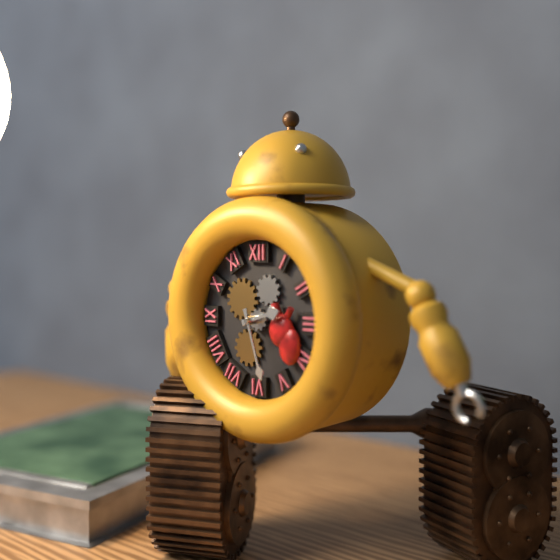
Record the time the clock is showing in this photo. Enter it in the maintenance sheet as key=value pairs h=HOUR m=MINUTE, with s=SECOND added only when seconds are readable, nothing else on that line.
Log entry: h=2 m=27
